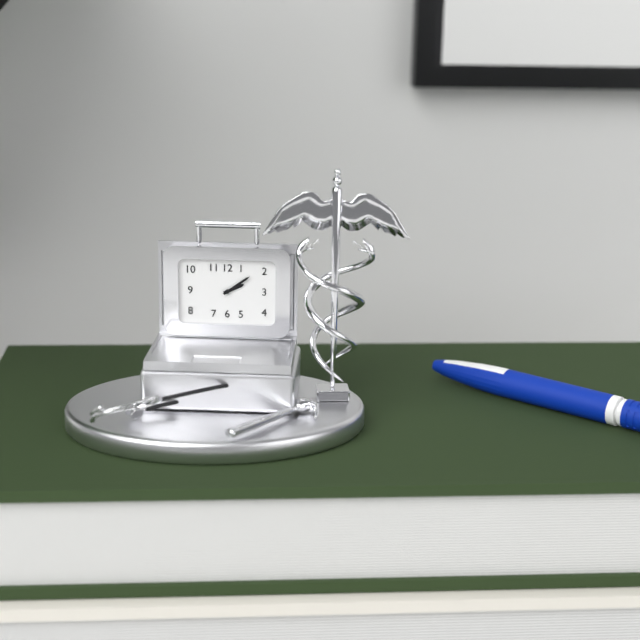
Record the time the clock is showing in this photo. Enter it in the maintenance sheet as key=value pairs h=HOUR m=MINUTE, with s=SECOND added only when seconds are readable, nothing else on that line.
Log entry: h=2 m=9
